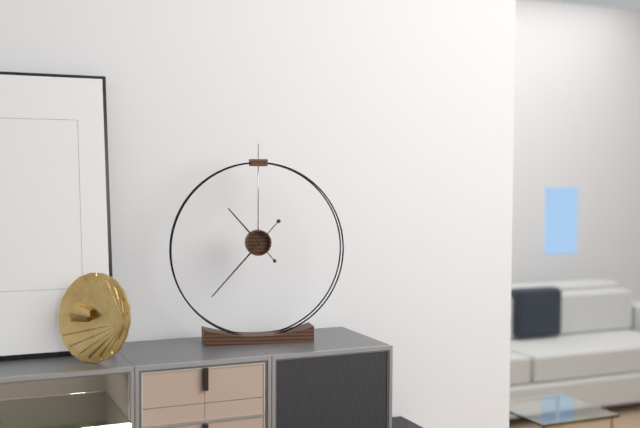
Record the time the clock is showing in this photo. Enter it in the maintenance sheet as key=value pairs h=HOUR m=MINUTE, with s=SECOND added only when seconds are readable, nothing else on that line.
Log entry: h=10 m=37
